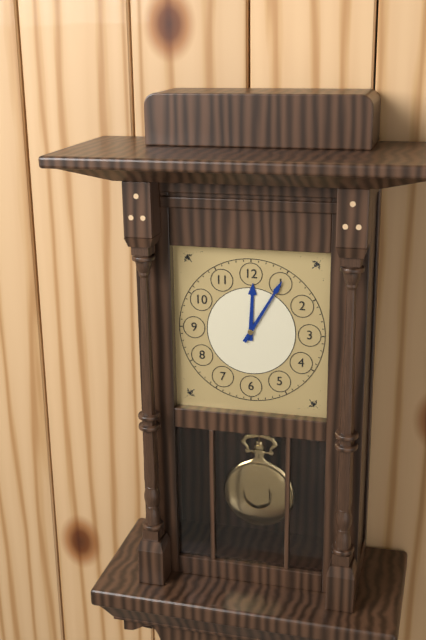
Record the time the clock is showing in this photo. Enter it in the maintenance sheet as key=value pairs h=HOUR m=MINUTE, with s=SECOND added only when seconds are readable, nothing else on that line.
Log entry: h=12 m=5
